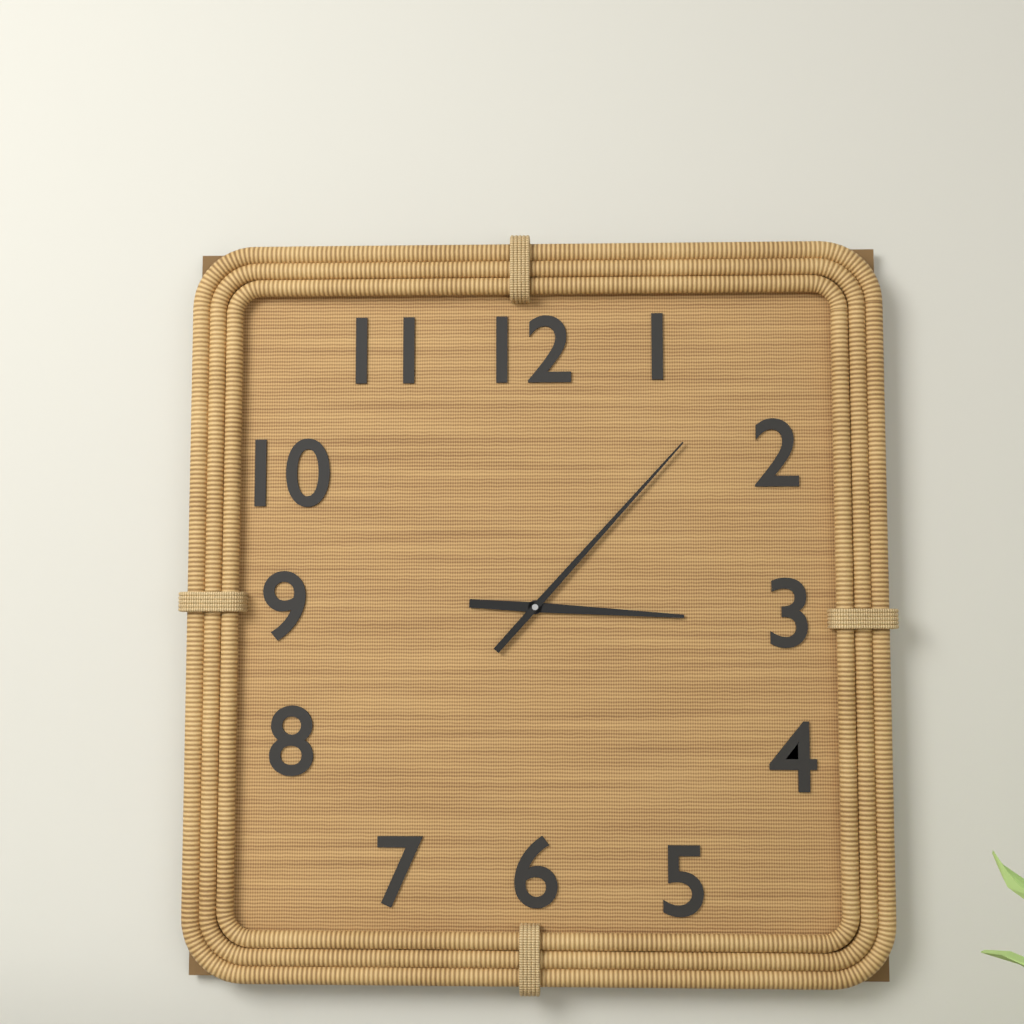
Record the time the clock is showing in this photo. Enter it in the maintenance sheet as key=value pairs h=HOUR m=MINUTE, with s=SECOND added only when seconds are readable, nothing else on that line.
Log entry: h=3 m=7
